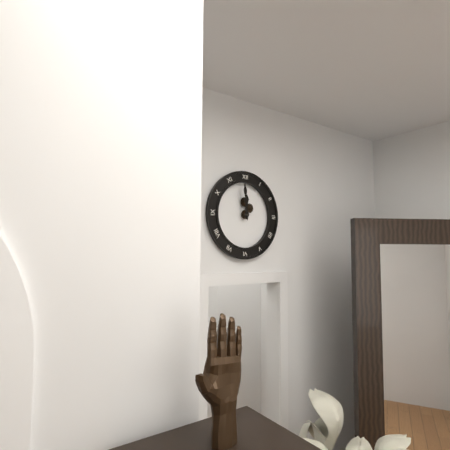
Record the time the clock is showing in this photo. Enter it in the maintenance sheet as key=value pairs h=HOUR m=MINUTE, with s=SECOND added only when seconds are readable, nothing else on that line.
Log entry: h=11 m=59
